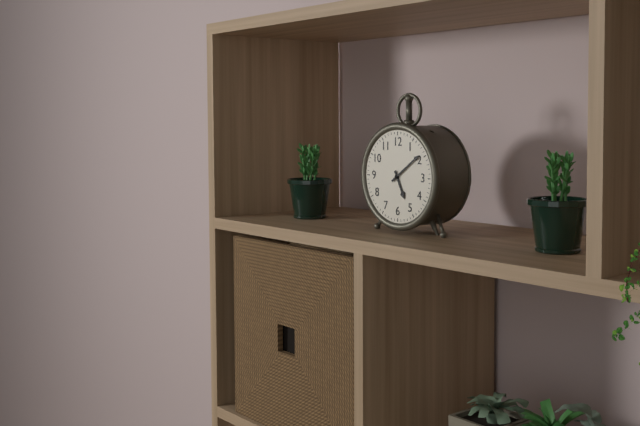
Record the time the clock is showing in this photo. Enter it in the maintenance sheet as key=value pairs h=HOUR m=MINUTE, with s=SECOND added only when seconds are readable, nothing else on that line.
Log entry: h=5 m=9
